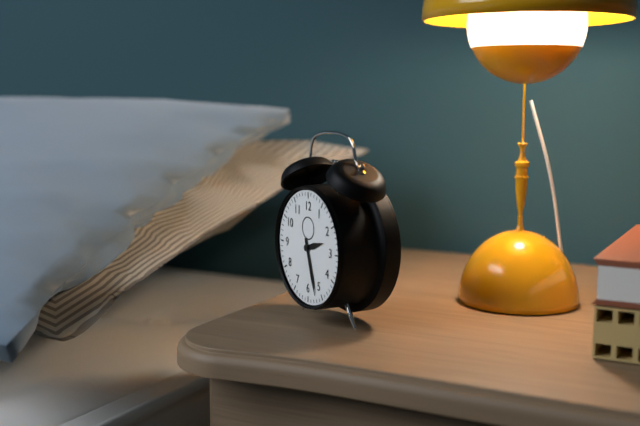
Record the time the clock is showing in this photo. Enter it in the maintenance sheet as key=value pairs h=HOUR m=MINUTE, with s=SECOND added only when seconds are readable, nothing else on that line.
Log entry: h=2 m=27
